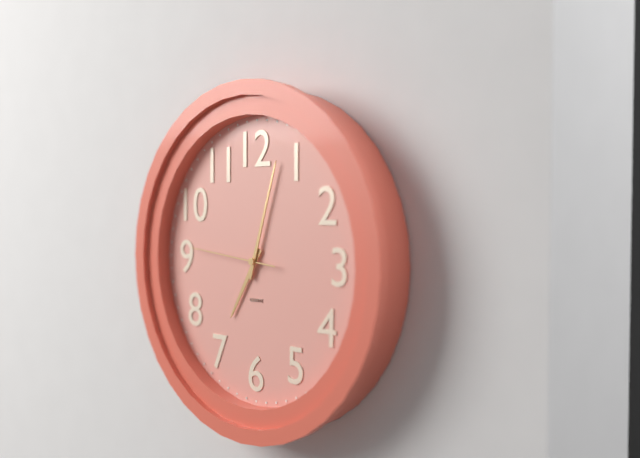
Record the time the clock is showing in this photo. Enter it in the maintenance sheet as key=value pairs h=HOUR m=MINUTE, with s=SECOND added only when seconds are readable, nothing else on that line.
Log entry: h=7 m=3 s=46
